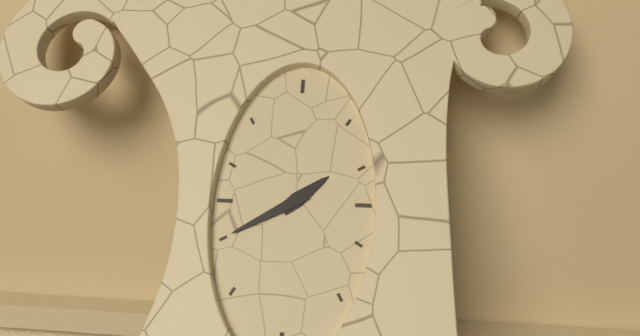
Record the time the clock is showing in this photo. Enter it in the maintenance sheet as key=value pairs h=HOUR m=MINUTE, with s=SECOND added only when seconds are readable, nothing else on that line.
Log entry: h=1 m=40
